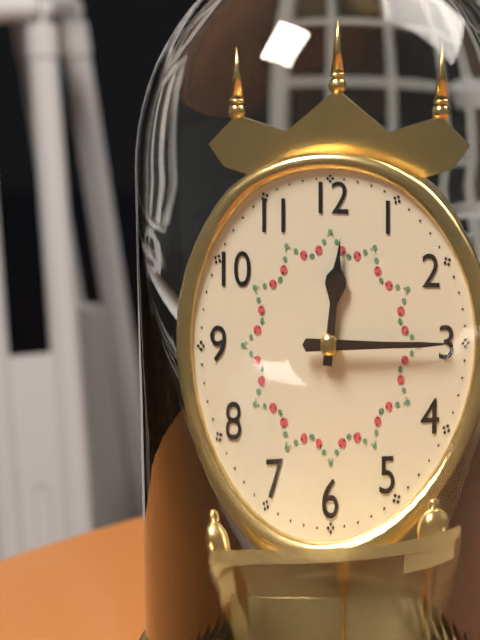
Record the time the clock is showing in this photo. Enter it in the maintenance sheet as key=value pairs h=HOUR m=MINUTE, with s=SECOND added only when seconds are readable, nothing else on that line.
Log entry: h=12 m=15
